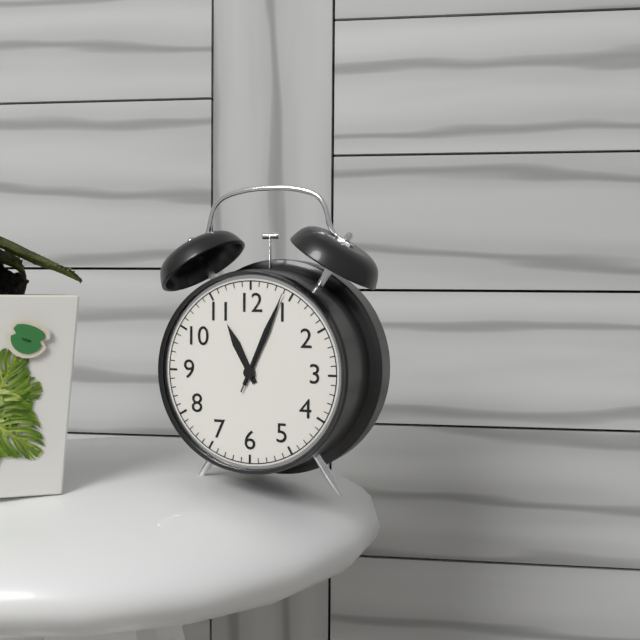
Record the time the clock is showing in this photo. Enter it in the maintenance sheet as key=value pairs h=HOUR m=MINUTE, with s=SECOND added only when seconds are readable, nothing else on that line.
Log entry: h=11 m=4 s=4
